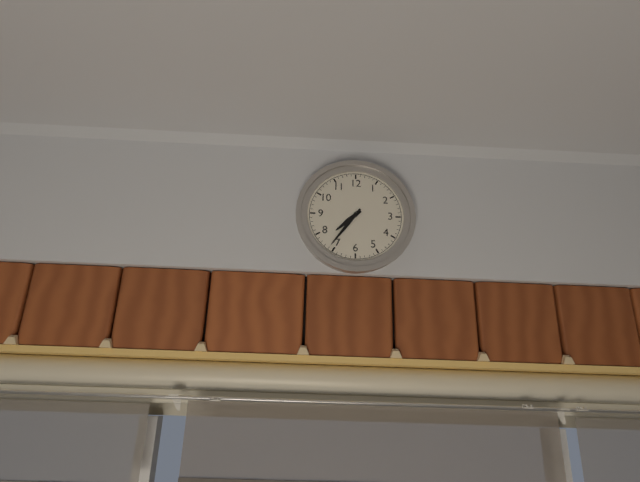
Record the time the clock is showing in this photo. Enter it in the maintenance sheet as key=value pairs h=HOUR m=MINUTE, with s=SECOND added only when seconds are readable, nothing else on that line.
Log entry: h=7 m=36
